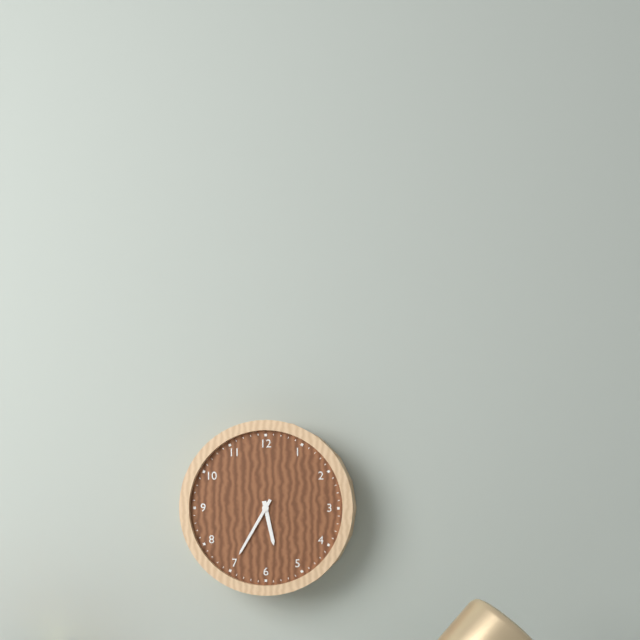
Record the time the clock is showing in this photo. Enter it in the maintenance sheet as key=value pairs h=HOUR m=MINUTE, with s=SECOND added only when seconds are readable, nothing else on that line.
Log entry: h=5 m=35
